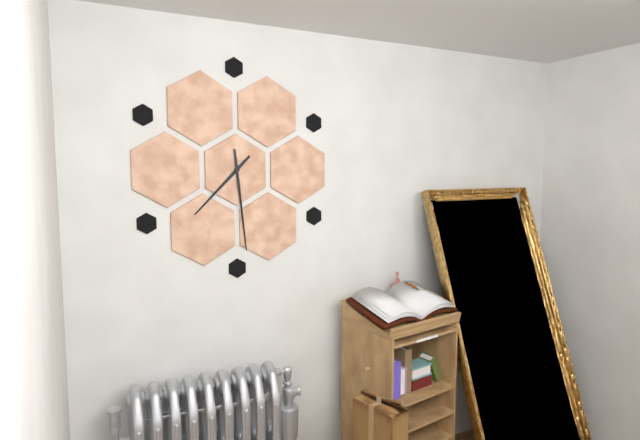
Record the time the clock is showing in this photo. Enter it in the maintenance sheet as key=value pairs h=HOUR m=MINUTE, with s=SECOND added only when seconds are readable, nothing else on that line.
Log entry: h=7 m=29
